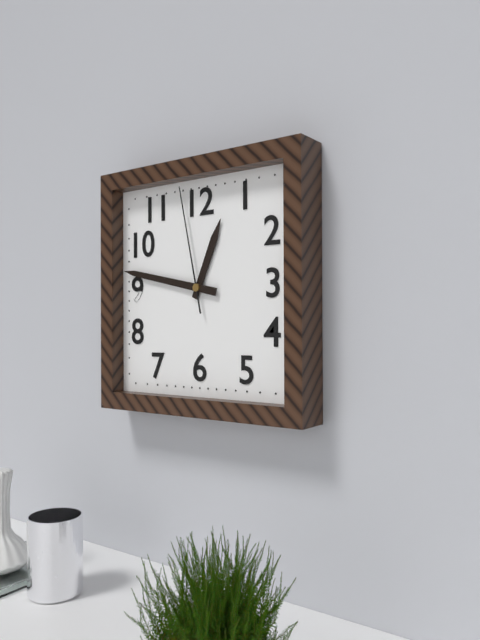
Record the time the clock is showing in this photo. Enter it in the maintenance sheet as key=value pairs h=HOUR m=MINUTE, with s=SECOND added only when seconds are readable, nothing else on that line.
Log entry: h=12 m=47 s=58
